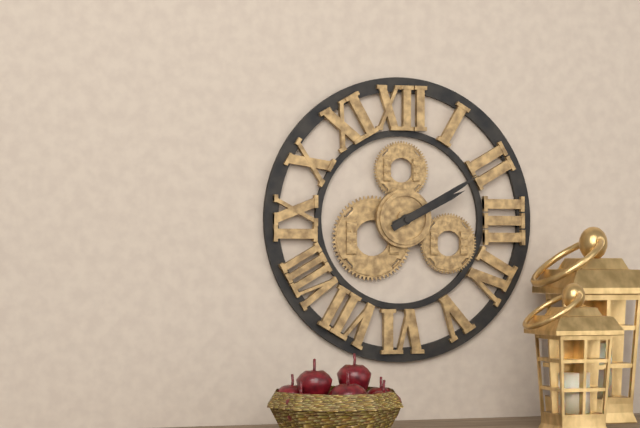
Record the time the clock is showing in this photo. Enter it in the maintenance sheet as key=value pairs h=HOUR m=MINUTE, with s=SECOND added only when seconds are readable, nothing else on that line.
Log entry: h=2 m=10
